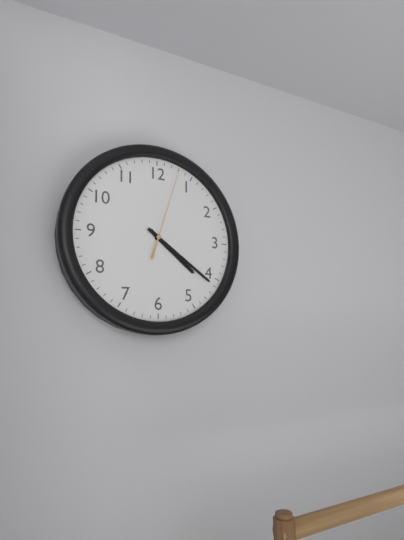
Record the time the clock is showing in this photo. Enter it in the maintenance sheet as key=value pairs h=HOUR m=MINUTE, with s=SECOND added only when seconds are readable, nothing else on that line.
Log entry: h=4 m=21 s=3
